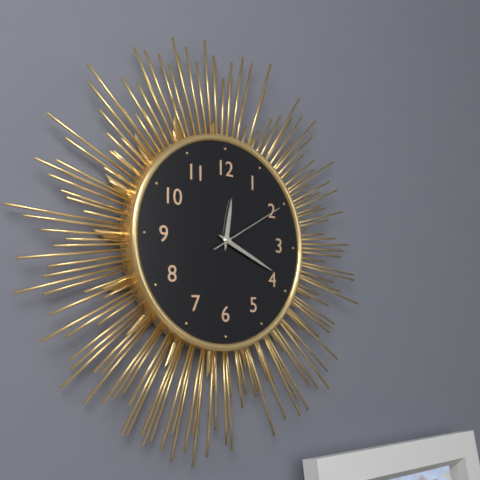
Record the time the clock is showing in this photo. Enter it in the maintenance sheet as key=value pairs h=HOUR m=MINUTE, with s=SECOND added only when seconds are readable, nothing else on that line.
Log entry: h=12 m=19 s=10
